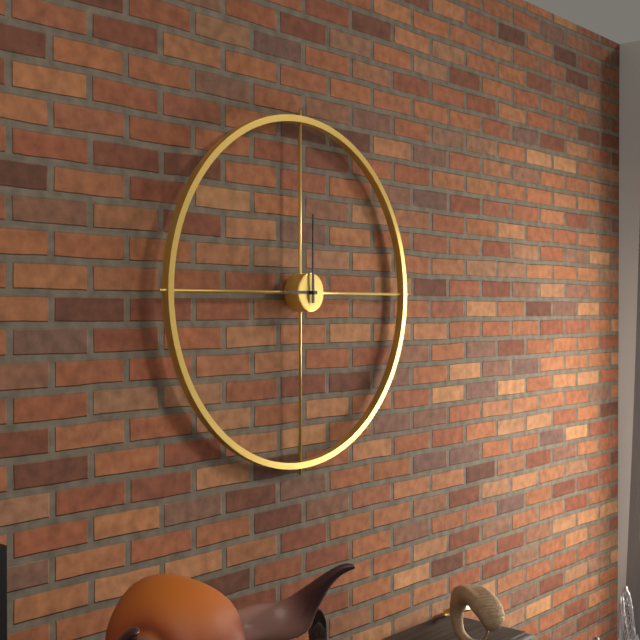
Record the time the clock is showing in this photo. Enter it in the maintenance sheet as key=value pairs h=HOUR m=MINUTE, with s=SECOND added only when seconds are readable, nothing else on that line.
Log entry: h=9 m=0
